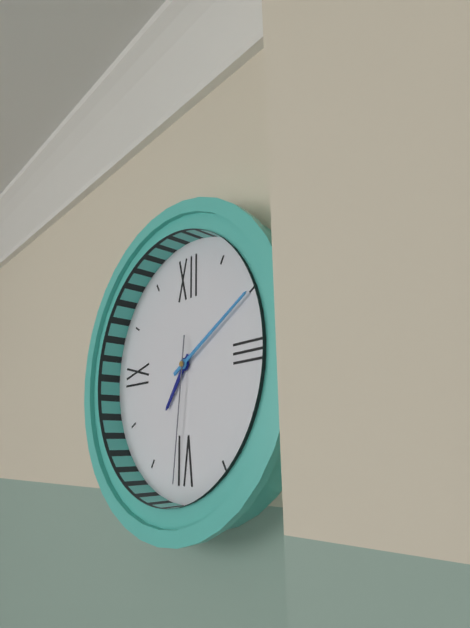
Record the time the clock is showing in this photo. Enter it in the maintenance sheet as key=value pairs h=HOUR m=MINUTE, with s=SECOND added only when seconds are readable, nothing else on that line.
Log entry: h=7 m=10 s=31
